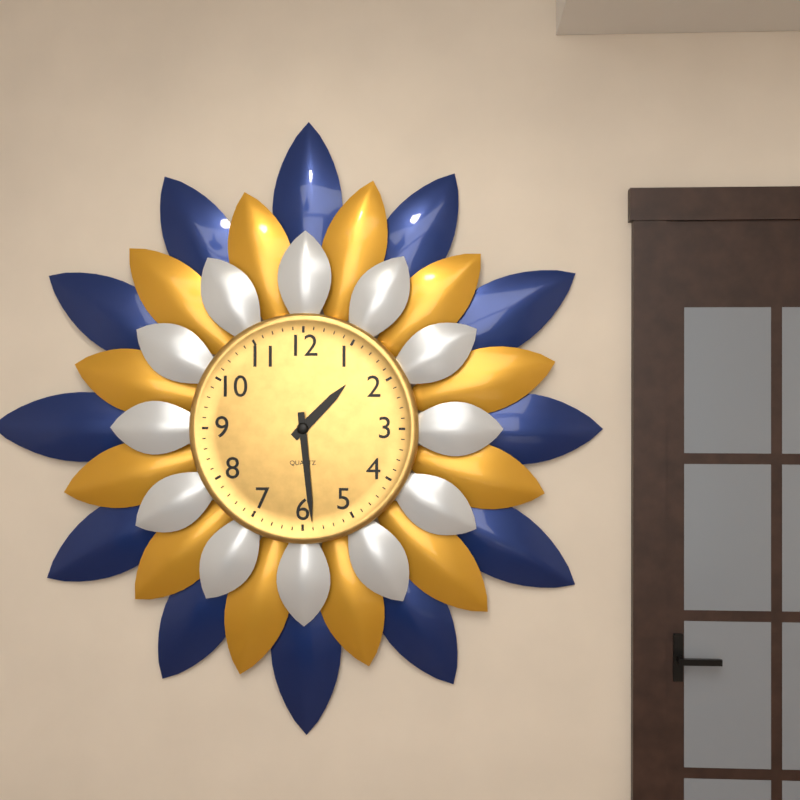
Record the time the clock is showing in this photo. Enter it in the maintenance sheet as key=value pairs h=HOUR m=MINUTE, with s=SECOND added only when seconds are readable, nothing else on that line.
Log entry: h=1 m=29
